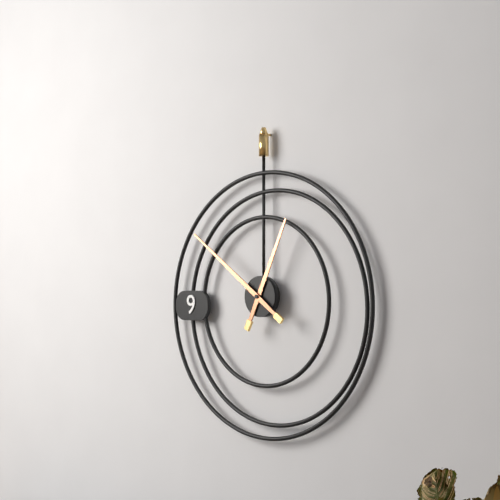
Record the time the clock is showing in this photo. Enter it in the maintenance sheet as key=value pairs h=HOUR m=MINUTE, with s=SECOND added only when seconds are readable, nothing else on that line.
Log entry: h=12 m=51
